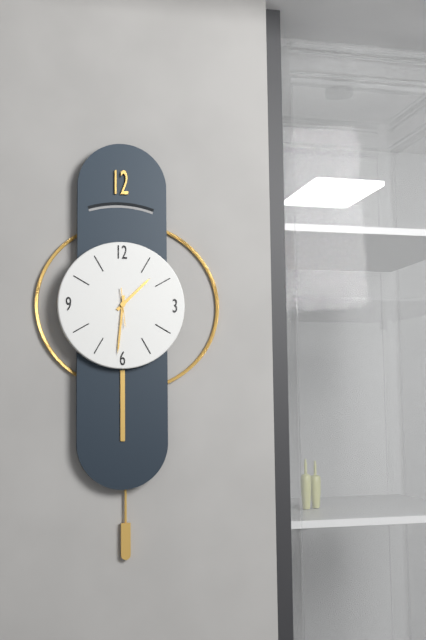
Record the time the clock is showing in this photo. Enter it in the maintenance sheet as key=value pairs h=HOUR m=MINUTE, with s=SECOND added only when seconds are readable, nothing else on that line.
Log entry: h=1 m=31
